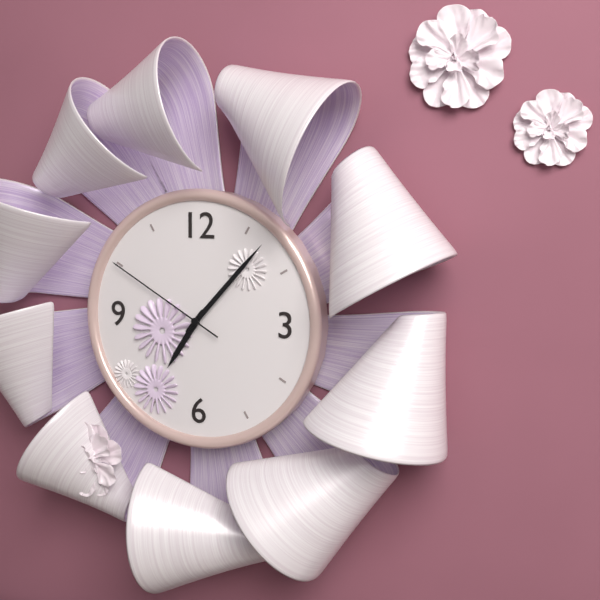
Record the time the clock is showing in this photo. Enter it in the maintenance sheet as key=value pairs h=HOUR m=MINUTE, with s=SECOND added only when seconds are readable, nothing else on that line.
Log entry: h=7 m=7 s=50
